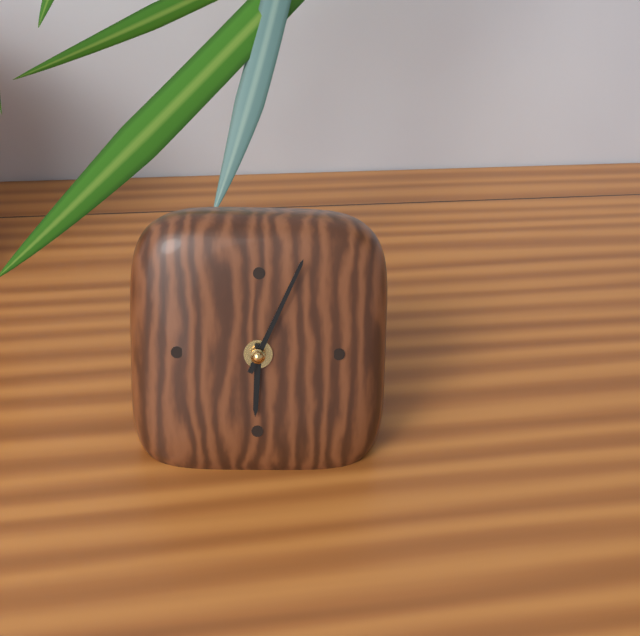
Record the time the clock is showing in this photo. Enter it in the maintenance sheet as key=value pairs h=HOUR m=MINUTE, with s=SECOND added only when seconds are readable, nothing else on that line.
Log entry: h=6 m=4
